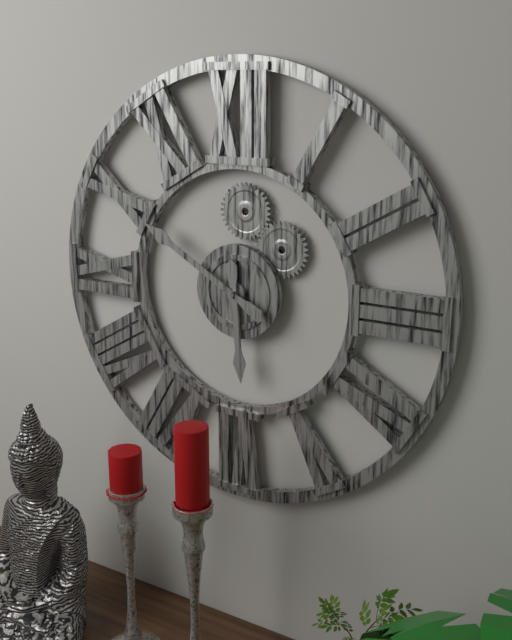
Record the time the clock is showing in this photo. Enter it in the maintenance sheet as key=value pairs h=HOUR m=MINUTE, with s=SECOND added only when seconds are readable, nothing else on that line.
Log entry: h=5 m=50
